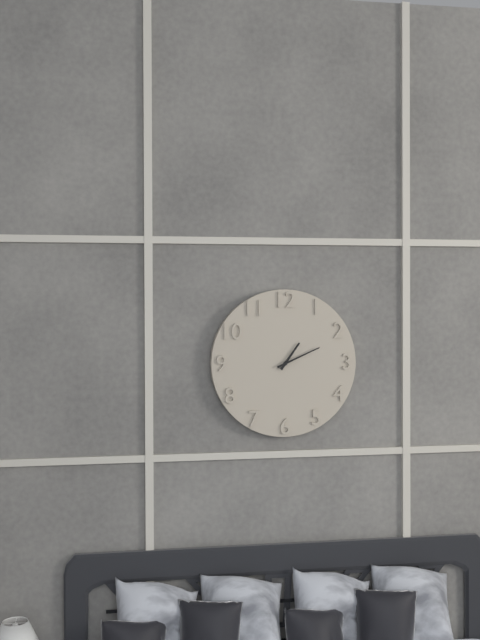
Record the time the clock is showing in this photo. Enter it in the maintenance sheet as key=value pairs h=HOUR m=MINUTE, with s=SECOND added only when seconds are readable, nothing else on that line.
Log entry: h=1 m=11
